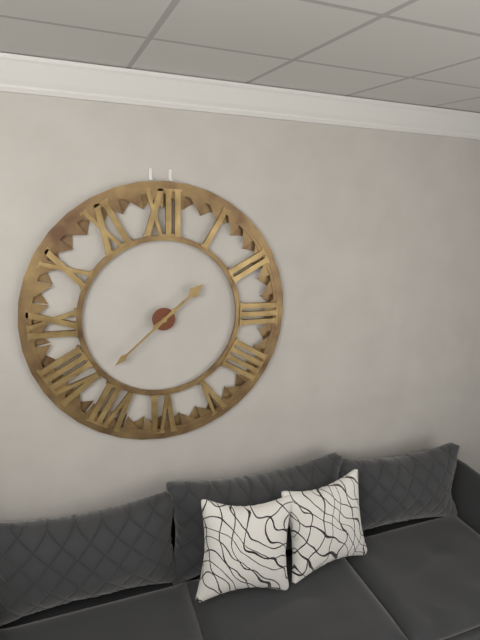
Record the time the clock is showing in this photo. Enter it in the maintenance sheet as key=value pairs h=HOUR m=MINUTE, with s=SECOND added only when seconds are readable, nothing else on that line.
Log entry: h=1 m=38
